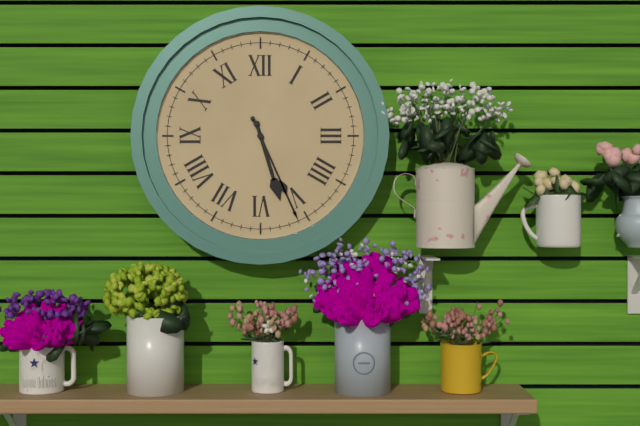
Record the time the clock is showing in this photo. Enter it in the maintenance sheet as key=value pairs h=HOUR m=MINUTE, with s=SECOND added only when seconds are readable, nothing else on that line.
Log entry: h=5 m=26
